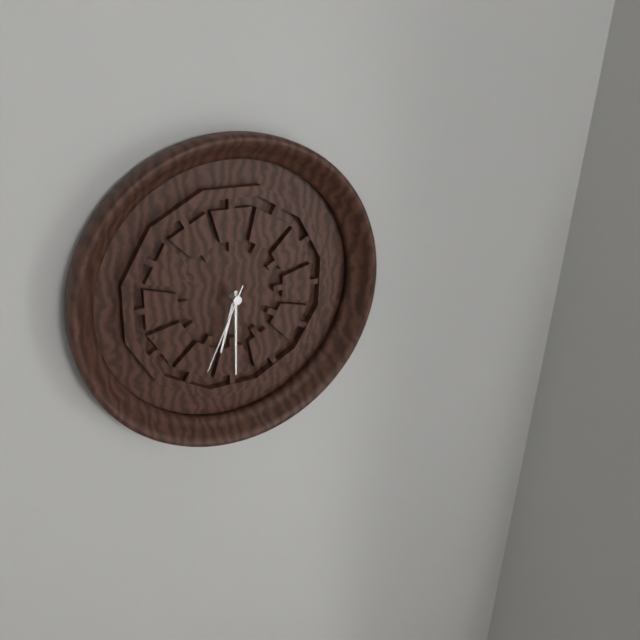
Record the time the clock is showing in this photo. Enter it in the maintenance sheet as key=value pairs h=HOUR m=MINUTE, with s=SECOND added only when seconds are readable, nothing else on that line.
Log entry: h=6 m=30 s=34
